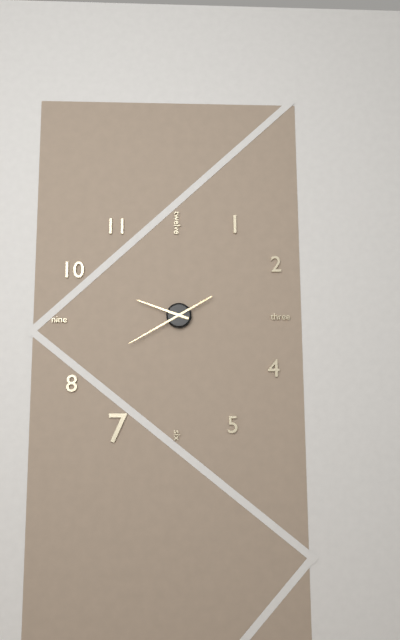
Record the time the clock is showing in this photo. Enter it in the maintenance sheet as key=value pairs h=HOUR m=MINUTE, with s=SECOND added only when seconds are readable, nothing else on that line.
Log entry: h=9 m=40
